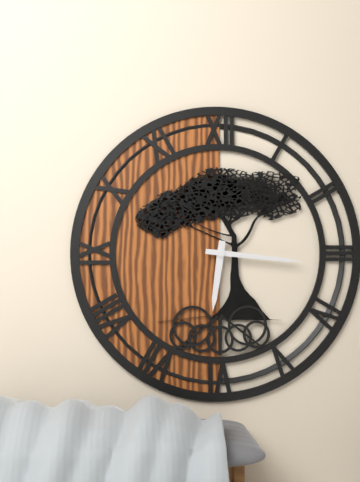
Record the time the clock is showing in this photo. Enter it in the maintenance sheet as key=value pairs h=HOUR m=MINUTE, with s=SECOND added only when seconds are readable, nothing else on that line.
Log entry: h=6 m=16
